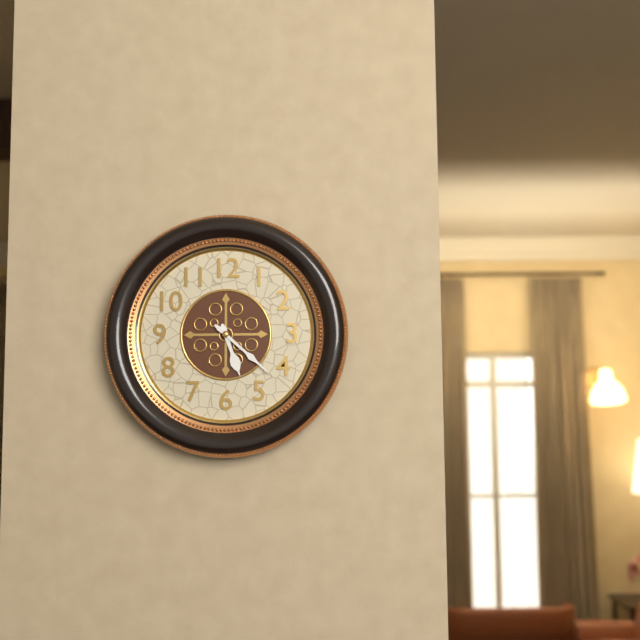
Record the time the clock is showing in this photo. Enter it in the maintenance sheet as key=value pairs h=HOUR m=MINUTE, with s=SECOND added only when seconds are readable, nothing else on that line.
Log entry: h=5 m=22
